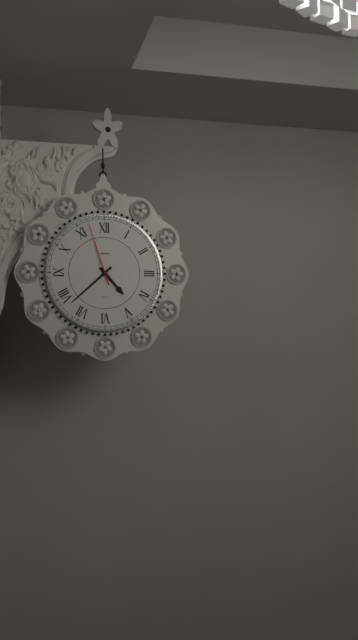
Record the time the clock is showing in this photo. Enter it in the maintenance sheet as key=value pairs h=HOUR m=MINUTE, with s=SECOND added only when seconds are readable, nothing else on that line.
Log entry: h=4 m=38 s=57
